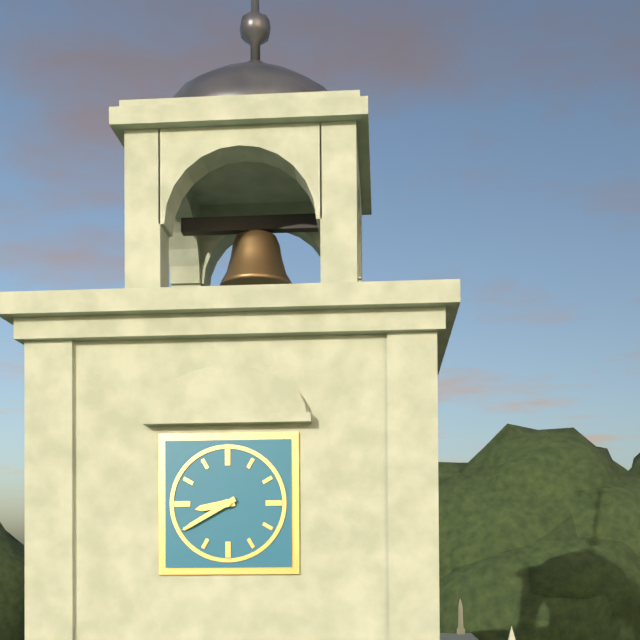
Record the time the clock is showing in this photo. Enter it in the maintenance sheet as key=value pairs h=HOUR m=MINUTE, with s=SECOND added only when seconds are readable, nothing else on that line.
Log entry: h=8 m=40
